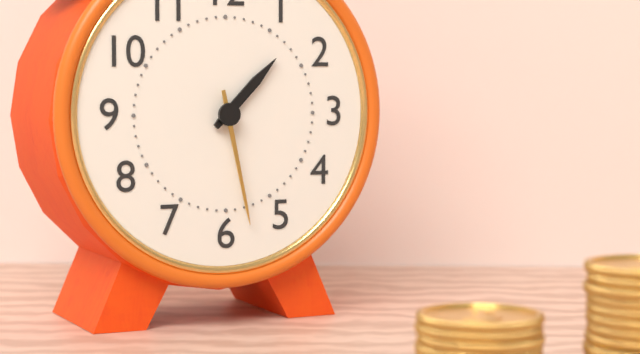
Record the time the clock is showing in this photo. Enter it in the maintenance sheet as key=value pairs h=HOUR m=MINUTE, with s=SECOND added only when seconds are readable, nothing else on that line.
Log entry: h=1 m=28
